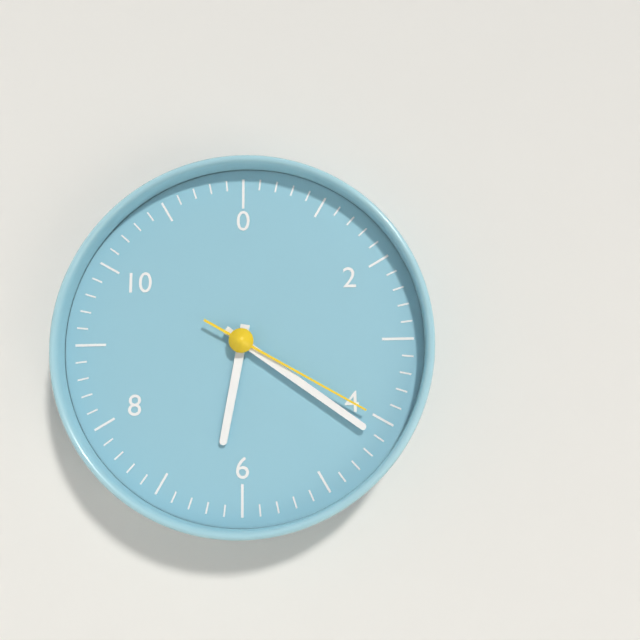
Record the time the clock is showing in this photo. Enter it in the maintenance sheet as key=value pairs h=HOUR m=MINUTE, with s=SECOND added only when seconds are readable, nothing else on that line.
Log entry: h=6 m=21 s=20
